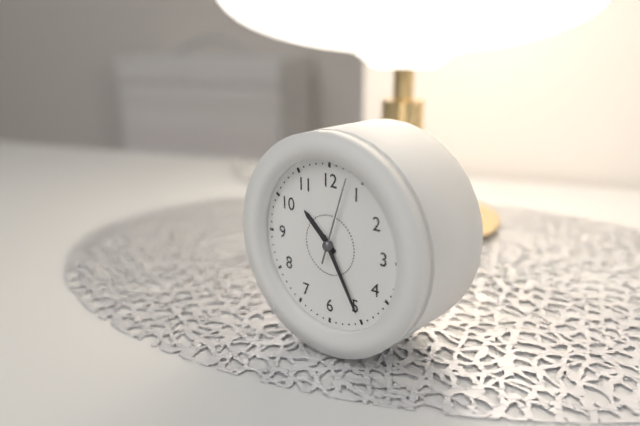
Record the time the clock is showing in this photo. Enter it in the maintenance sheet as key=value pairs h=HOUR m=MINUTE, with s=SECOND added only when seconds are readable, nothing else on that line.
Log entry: h=10 m=25 s=3
